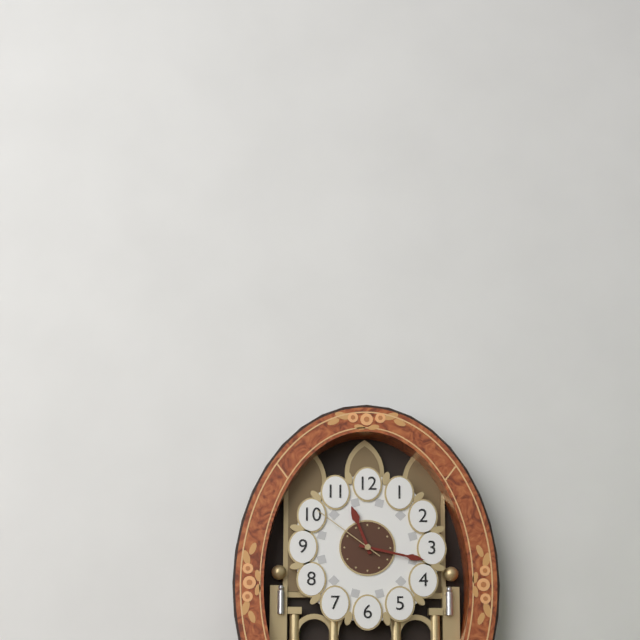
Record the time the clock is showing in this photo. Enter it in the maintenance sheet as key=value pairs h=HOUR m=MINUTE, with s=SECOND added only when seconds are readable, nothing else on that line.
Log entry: h=11 m=17 s=51
